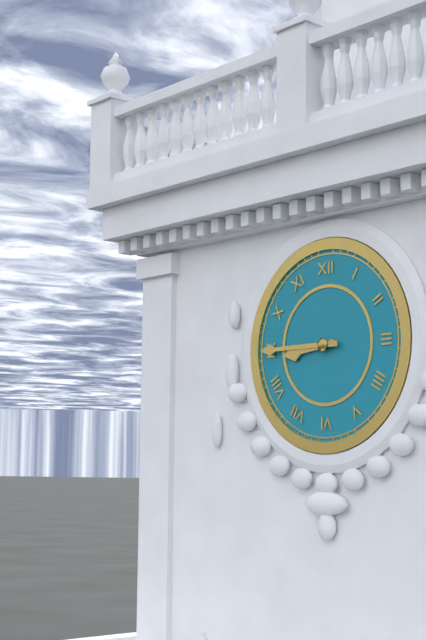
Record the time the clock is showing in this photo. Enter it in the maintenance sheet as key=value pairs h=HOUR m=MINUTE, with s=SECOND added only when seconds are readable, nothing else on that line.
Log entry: h=8 m=45
